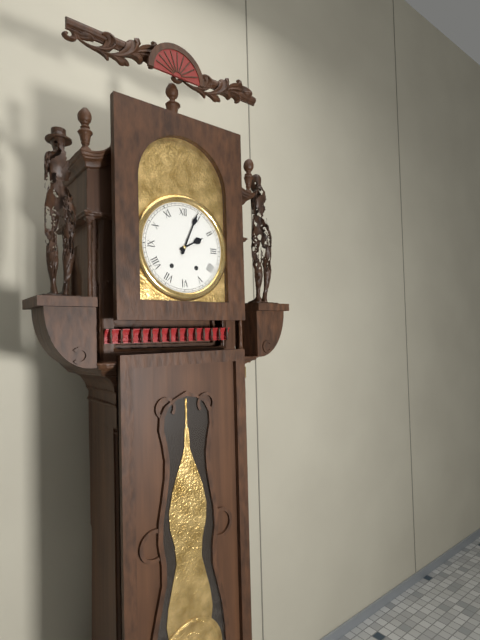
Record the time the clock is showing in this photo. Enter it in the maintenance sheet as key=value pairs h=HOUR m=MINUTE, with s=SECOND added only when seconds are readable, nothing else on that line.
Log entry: h=2 m=4
